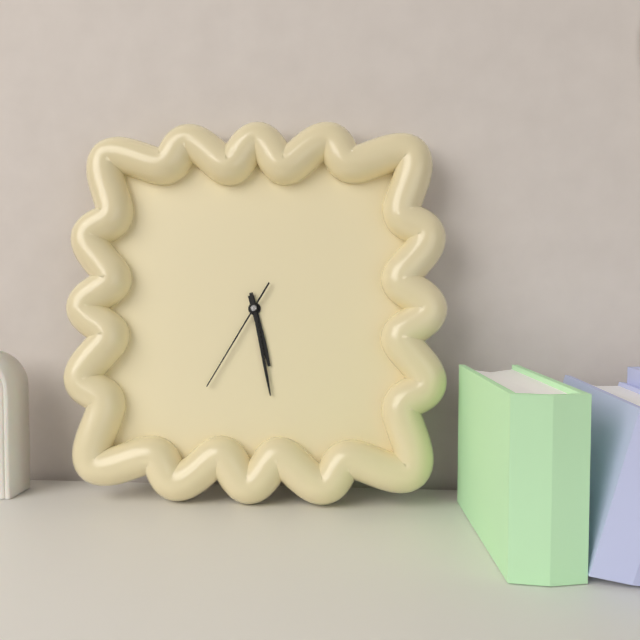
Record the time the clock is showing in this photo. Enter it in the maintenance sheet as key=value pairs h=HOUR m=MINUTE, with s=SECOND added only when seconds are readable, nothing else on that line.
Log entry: h=5 m=28 s=35
